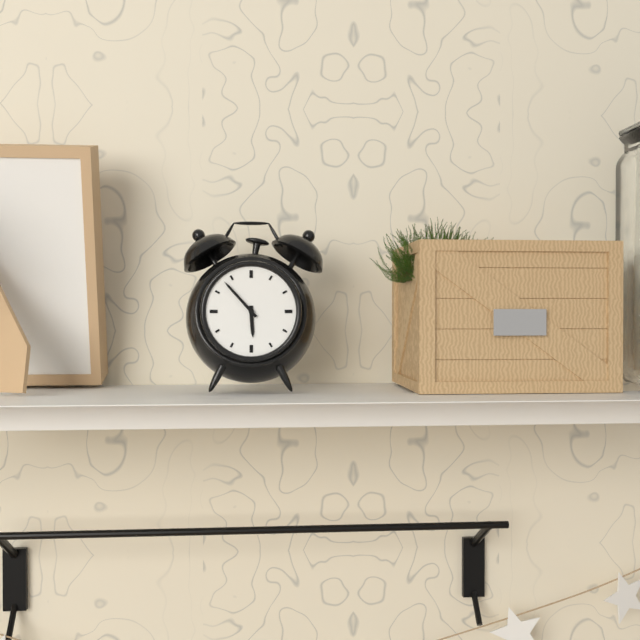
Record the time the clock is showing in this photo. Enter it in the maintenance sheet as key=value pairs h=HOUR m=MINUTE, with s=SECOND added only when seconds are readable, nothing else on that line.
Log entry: h=5 m=53
